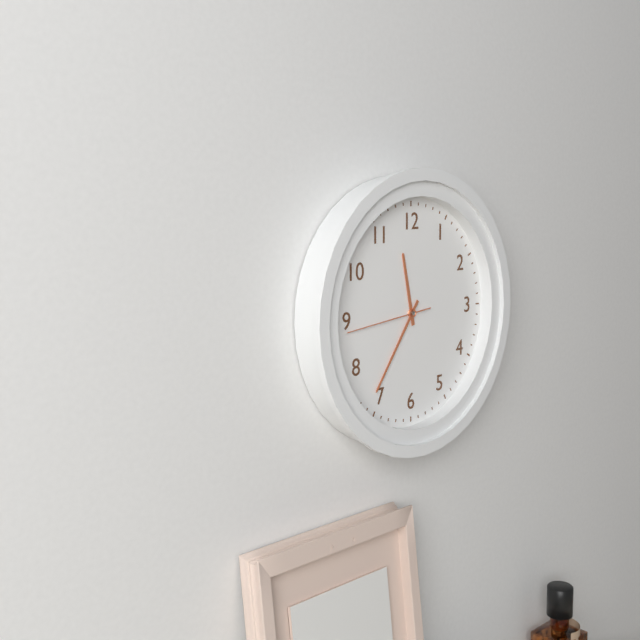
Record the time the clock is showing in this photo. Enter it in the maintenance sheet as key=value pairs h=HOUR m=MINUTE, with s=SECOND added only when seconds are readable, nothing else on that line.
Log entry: h=11 m=36 s=44
